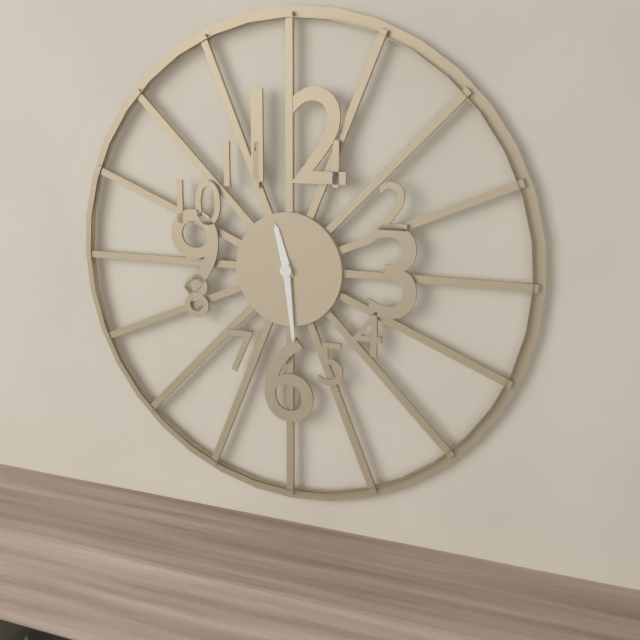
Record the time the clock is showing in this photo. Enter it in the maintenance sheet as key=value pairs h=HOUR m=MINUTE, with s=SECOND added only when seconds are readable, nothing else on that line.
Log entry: h=11 m=29
